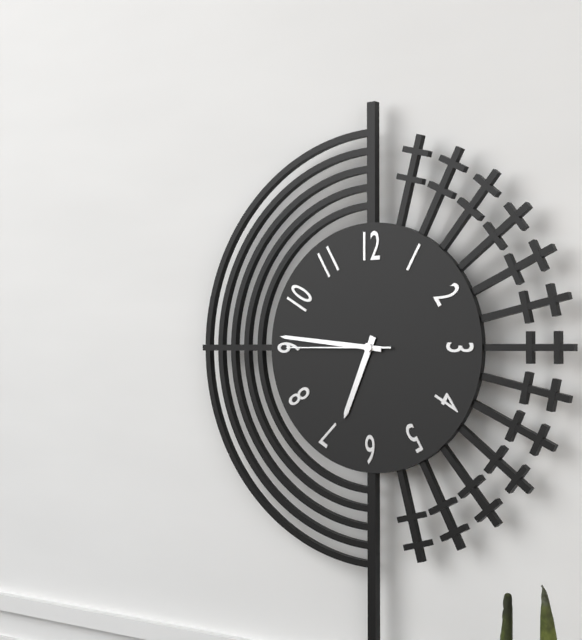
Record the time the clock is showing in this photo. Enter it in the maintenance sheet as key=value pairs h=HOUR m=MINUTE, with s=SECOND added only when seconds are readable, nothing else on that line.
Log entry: h=6 m=46 s=45
